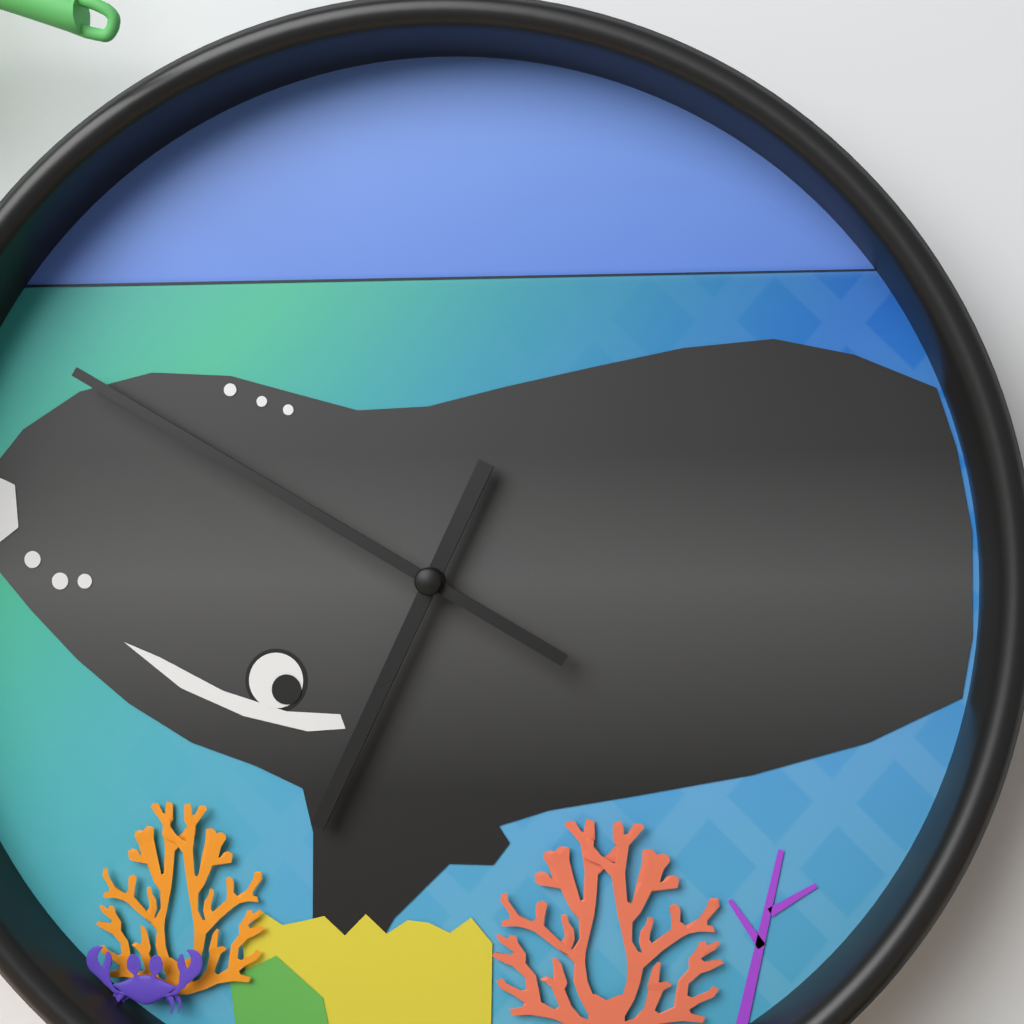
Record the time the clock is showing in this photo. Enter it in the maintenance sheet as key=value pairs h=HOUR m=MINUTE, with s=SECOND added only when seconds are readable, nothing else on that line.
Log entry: h=6 m=50
